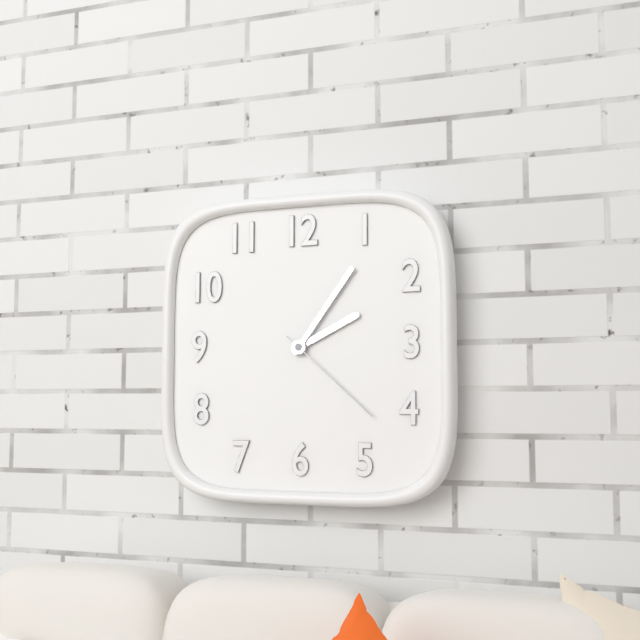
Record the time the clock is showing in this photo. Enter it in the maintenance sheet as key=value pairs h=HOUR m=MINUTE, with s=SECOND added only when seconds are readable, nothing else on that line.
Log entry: h=2 m=6 s=22
